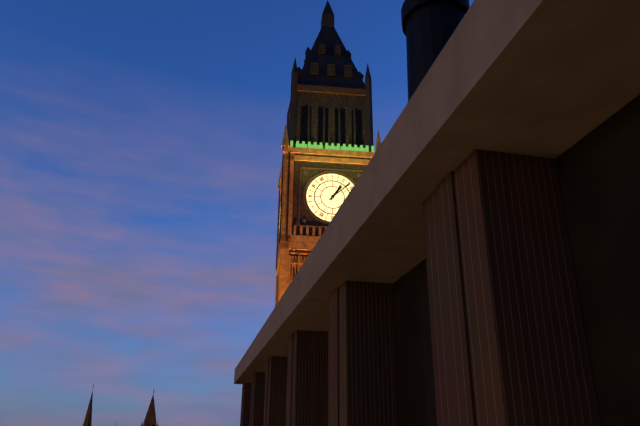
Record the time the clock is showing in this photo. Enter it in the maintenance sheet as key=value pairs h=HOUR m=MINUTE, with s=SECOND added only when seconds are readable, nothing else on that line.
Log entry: h=1 m=8
